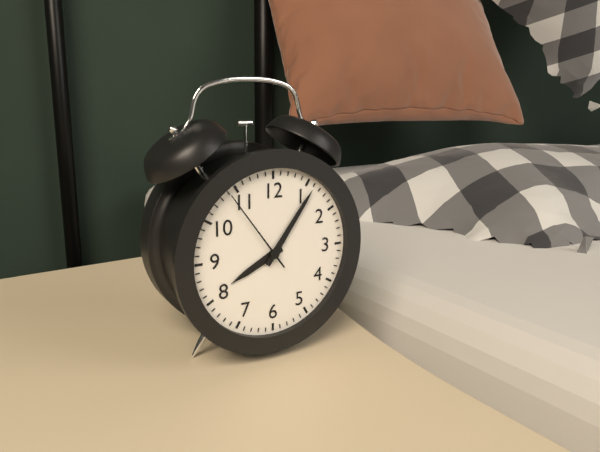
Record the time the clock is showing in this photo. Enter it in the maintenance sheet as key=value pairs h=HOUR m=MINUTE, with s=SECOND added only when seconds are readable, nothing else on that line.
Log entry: h=8 m=6 s=54
